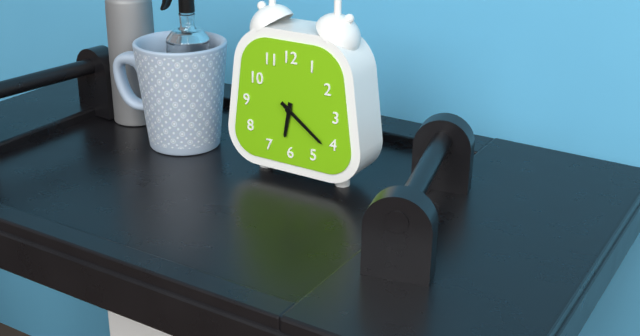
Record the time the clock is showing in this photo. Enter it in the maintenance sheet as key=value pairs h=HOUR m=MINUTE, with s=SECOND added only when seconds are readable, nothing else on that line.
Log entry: h=6 m=21
